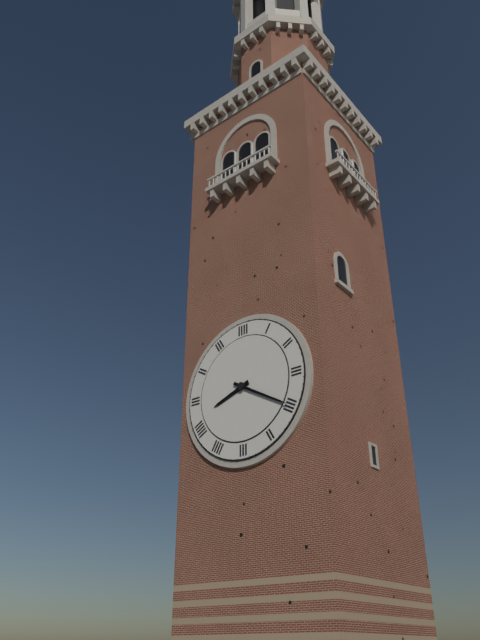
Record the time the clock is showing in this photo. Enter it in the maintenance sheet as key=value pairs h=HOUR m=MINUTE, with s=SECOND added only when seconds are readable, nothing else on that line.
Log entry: h=8 m=20
